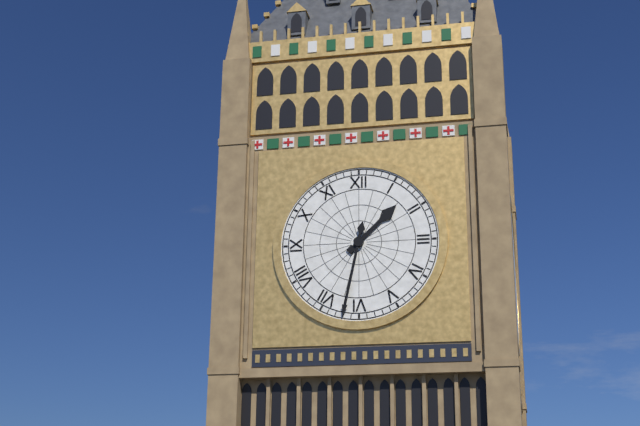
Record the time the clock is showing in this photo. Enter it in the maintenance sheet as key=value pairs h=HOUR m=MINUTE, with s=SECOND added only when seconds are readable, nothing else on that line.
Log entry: h=1 m=32
